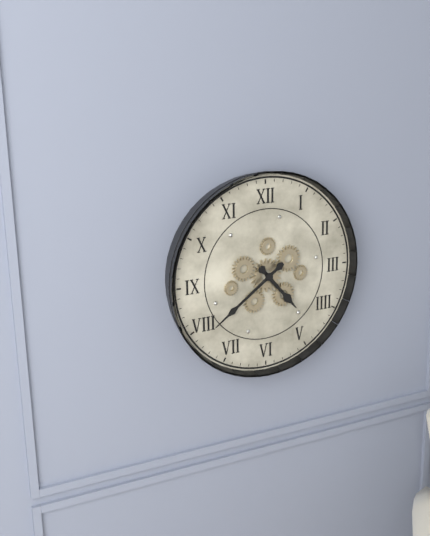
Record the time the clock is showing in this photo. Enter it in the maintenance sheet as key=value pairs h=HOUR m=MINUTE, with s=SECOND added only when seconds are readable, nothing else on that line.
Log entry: h=4 m=39
